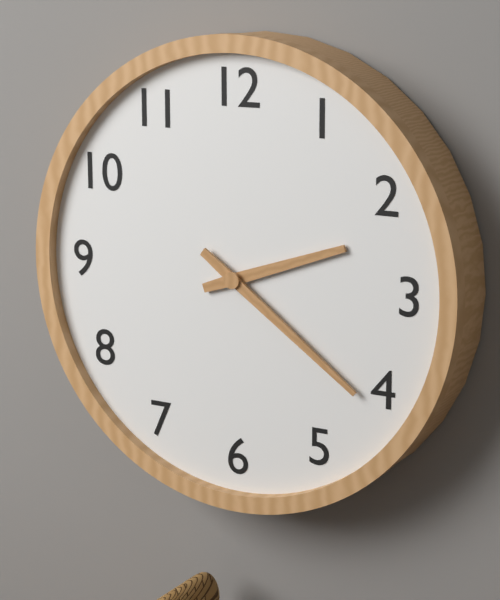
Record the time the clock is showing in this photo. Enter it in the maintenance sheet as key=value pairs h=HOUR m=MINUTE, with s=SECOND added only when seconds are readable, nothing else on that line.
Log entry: h=2 m=21
